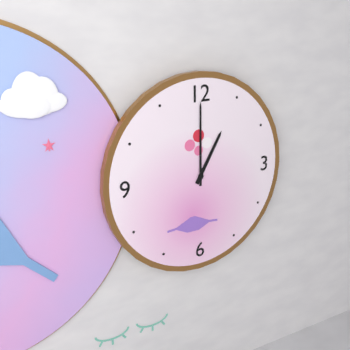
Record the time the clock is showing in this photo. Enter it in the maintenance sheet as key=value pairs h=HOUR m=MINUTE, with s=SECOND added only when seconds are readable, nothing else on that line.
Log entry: h=1 m=0
